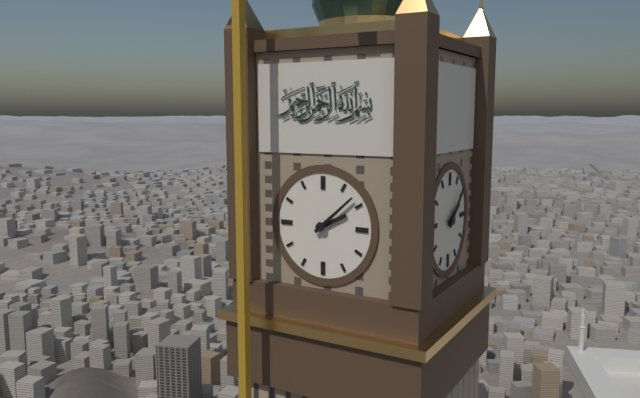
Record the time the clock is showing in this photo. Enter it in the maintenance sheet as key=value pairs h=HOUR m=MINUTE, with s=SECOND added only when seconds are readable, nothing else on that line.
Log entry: h=2 m=8
